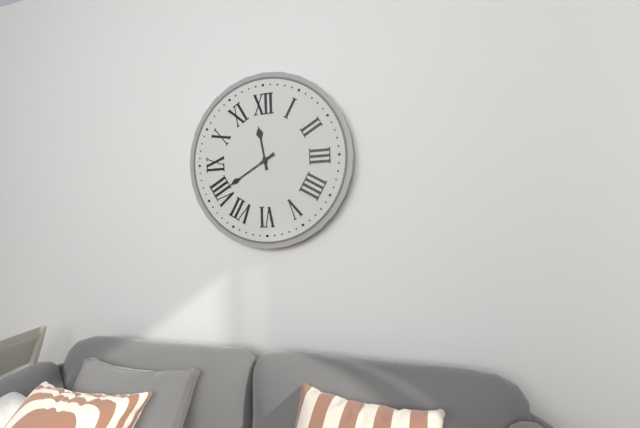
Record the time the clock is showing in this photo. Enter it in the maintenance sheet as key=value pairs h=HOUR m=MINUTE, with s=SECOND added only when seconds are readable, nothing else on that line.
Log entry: h=11 m=40
